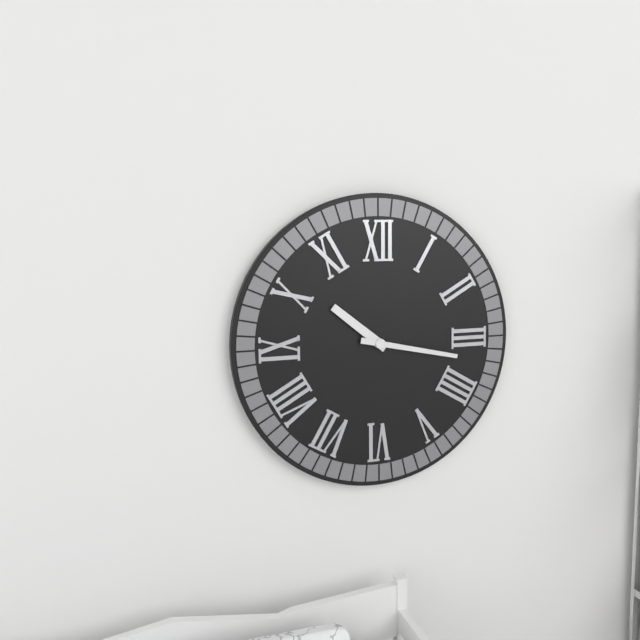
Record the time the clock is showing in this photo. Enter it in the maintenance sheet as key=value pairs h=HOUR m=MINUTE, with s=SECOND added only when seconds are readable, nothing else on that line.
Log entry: h=10 m=17
